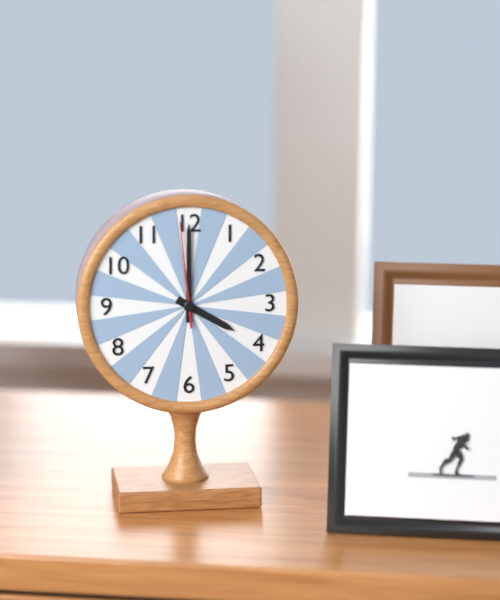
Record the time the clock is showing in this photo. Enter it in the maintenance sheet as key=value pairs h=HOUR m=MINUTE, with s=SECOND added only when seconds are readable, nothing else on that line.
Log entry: h=4 m=0 s=59
